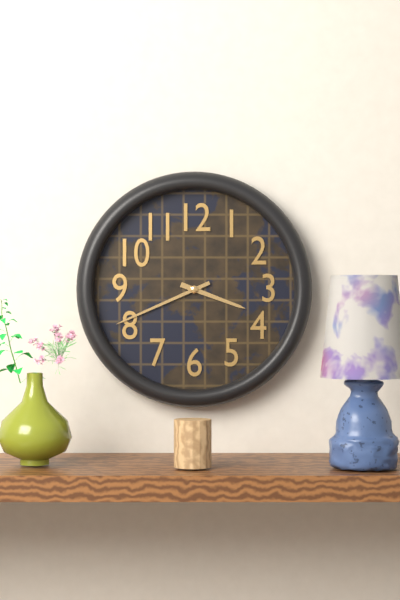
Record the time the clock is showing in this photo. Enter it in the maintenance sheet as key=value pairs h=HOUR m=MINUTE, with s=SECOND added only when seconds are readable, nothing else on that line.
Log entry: h=3 m=41
